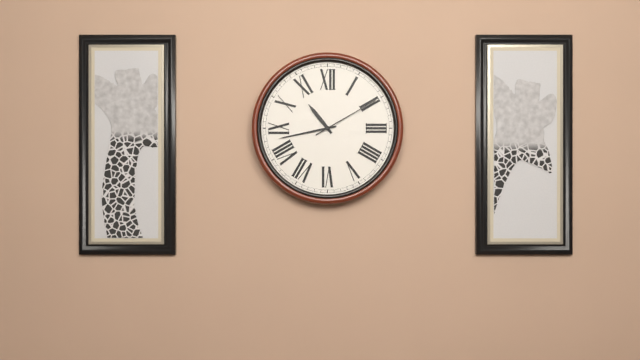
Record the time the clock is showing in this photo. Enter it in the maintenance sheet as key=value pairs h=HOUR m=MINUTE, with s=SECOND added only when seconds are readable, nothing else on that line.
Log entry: h=10 m=43 s=10
